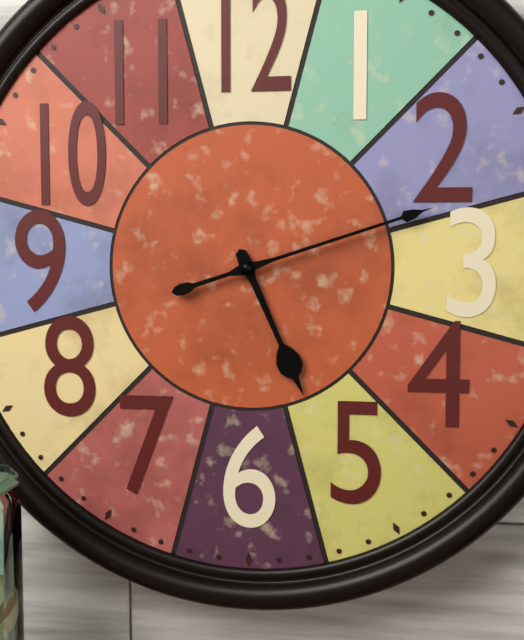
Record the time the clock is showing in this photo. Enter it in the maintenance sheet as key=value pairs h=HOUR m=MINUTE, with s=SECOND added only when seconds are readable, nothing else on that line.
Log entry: h=5 m=12
